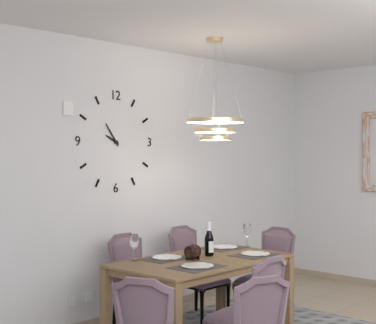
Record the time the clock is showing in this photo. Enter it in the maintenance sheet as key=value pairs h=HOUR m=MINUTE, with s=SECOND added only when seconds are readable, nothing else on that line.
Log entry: h=9 m=54
